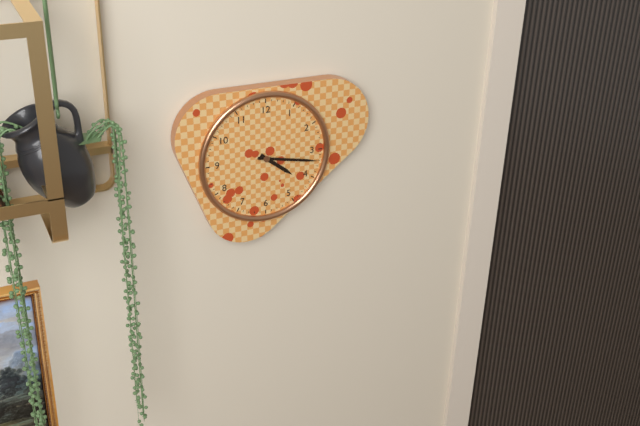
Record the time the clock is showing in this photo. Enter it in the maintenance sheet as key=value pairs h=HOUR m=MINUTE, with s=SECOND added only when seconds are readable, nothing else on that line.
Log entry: h=4 m=17
